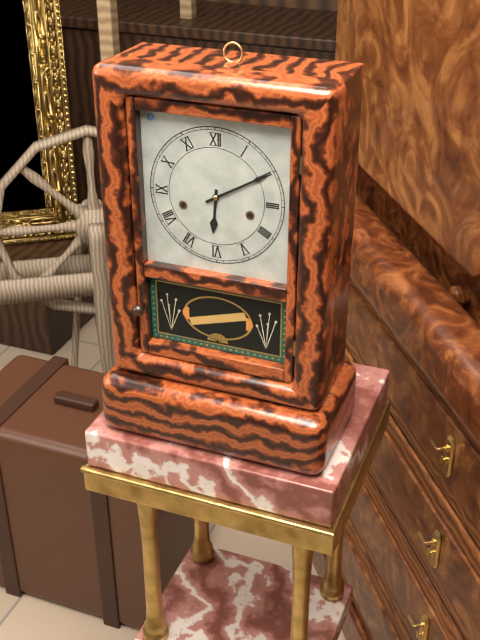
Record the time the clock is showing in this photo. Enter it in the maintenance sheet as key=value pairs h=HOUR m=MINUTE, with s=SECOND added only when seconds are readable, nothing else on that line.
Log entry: h=6 m=10
